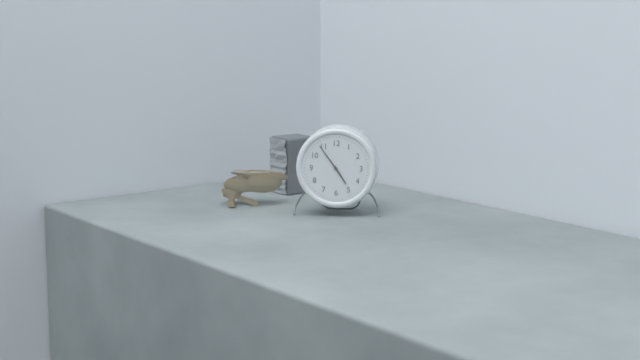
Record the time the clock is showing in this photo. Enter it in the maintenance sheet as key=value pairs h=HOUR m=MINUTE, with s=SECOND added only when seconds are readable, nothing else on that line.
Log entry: h=4 m=54
